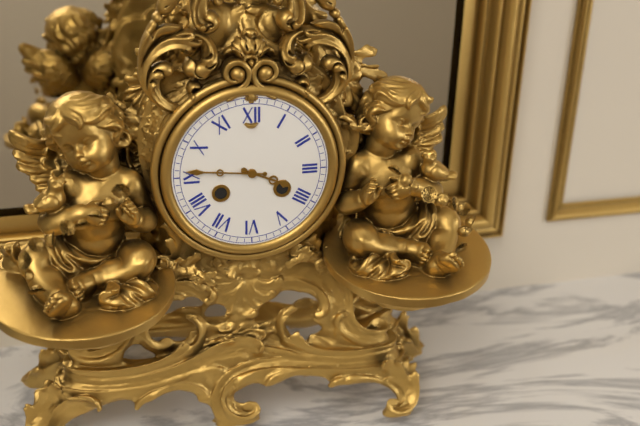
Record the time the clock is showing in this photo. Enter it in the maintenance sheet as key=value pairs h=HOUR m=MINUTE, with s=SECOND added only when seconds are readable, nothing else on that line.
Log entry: h=3 m=46
